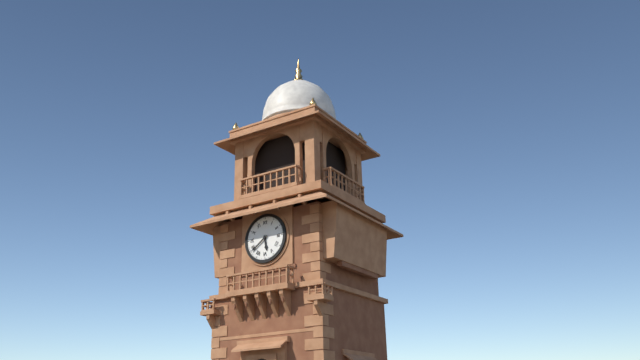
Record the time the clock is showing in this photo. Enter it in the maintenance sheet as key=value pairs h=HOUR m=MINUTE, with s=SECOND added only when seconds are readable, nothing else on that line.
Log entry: h=5 m=39
